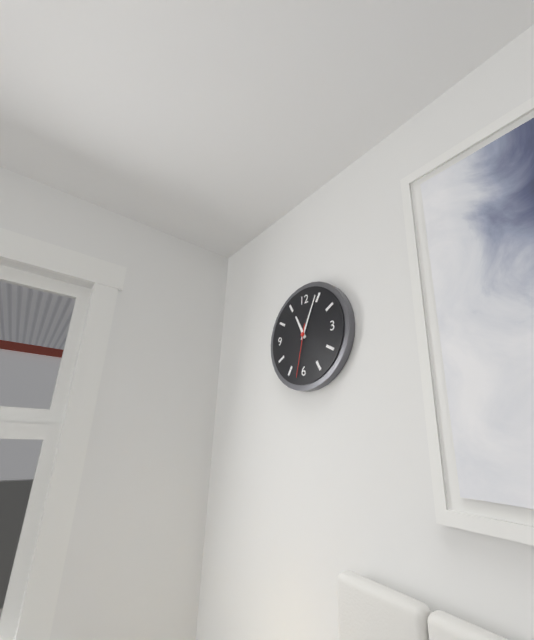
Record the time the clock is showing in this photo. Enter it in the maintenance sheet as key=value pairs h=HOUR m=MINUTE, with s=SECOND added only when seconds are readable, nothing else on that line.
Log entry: h=11 m=4 s=32
